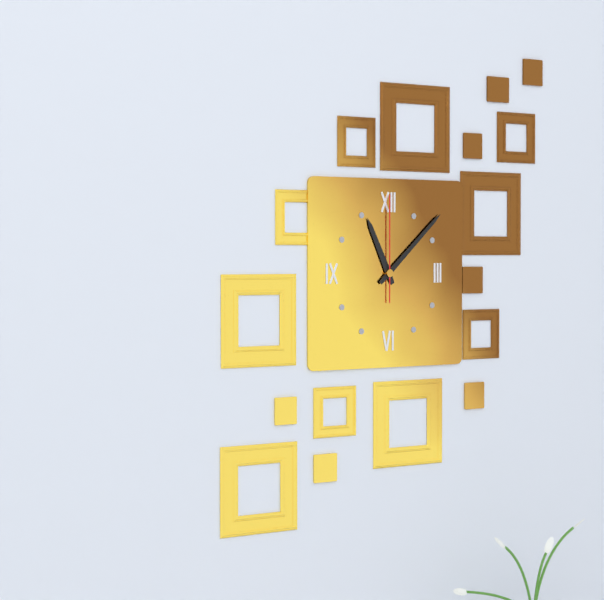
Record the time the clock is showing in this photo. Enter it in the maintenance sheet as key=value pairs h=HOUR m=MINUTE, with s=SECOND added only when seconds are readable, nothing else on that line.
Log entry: h=11 m=8 s=0
